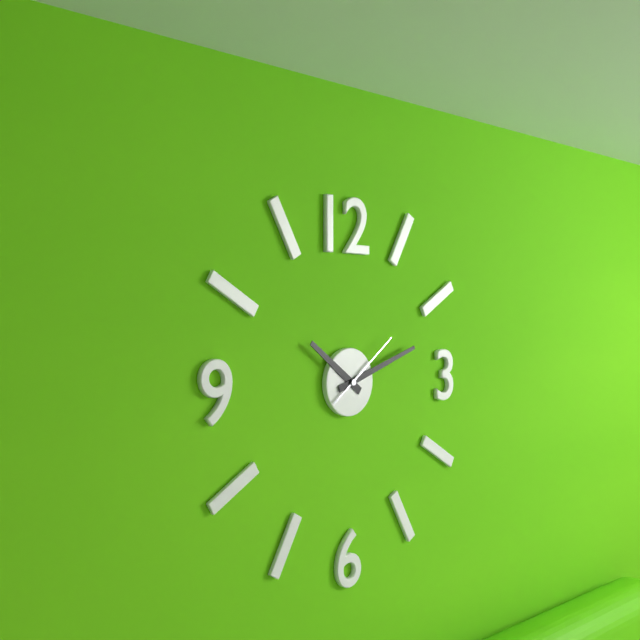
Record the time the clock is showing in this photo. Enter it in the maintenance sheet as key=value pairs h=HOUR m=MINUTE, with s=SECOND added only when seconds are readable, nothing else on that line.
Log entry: h=10 m=12 s=9
